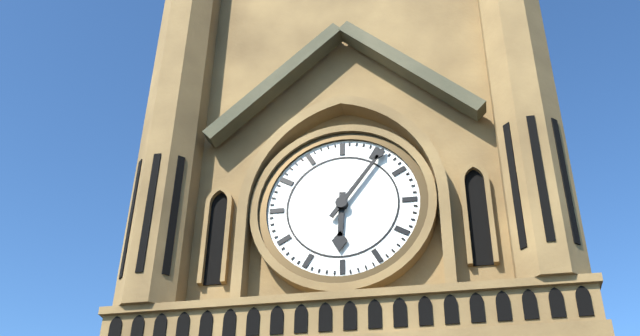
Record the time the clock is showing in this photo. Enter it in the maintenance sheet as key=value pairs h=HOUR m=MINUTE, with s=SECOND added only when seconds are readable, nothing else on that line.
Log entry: h=6 m=6
